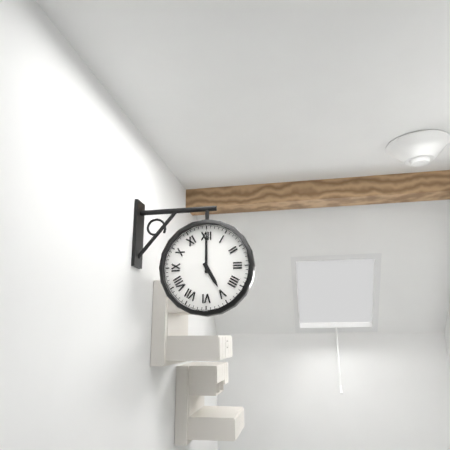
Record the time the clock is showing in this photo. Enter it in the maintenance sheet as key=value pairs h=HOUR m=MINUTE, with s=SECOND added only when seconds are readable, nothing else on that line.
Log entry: h=5 m=0
